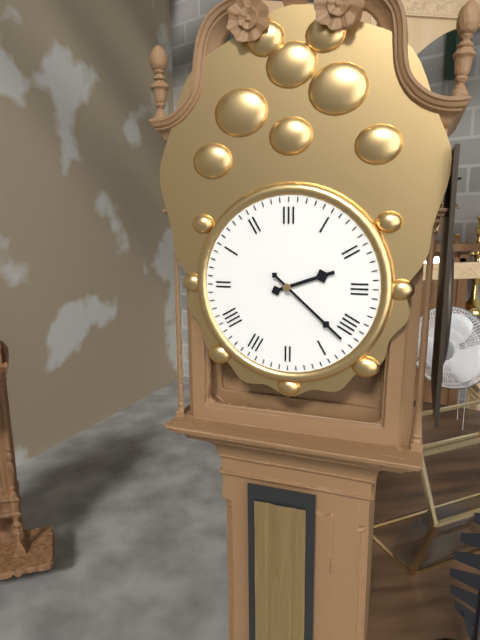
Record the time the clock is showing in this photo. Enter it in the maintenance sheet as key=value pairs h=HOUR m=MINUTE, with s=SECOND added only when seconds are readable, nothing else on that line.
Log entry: h=2 m=22
